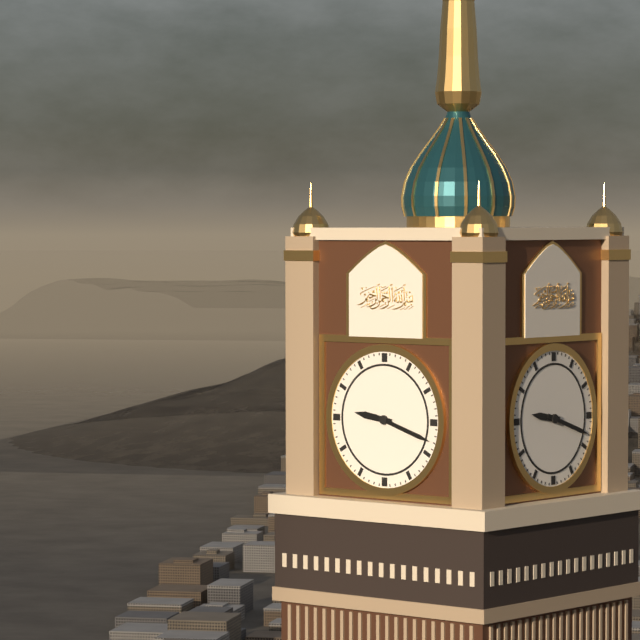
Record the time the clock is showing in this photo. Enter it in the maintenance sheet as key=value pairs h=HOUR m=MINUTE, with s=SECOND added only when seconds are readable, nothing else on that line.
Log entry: h=9 m=18
